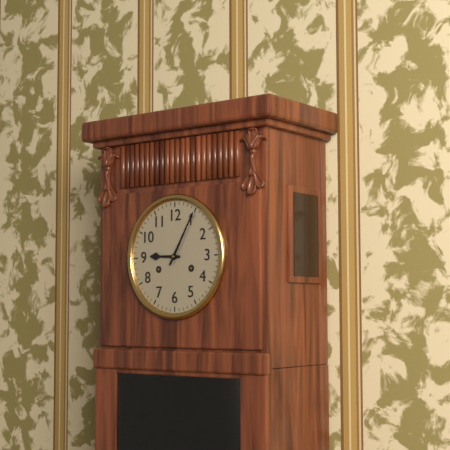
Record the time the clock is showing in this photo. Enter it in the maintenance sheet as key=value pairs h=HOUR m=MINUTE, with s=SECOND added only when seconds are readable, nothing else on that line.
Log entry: h=9 m=5
